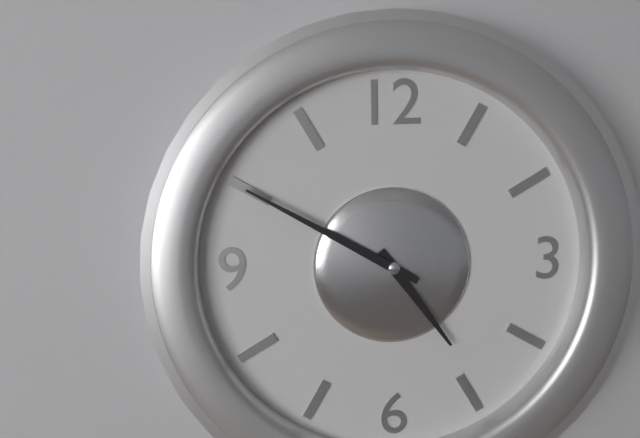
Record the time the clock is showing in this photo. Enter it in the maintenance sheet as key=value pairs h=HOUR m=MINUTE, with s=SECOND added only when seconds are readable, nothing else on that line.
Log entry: h=4 m=50
